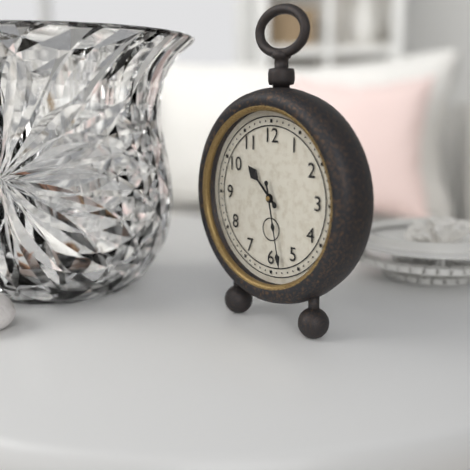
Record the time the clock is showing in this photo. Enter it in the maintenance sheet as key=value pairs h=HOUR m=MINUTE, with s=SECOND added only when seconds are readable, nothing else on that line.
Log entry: h=10 m=28
